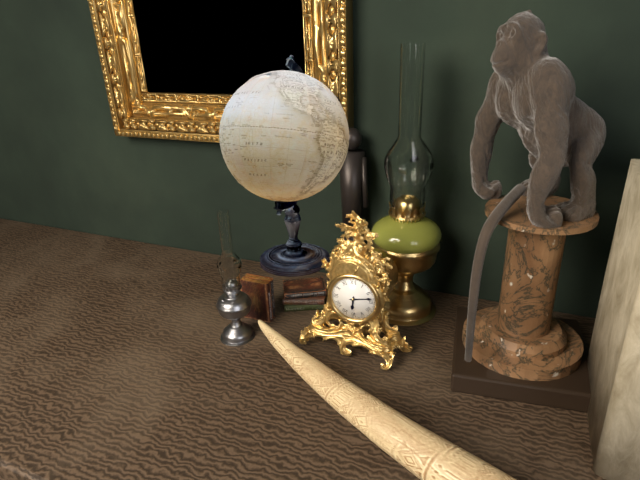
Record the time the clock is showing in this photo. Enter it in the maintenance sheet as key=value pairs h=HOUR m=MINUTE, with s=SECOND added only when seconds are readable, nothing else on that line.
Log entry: h=6 m=13
